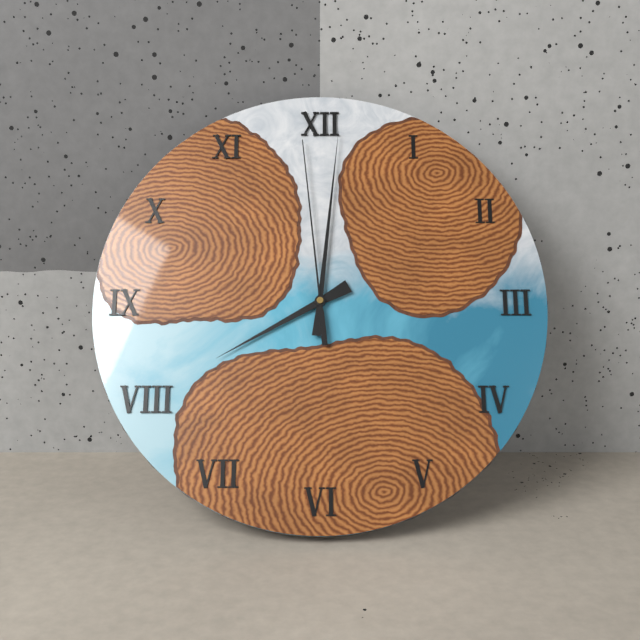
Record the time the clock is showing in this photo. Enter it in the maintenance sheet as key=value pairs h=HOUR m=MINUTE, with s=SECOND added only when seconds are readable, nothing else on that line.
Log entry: h=8 m=1 s=59
